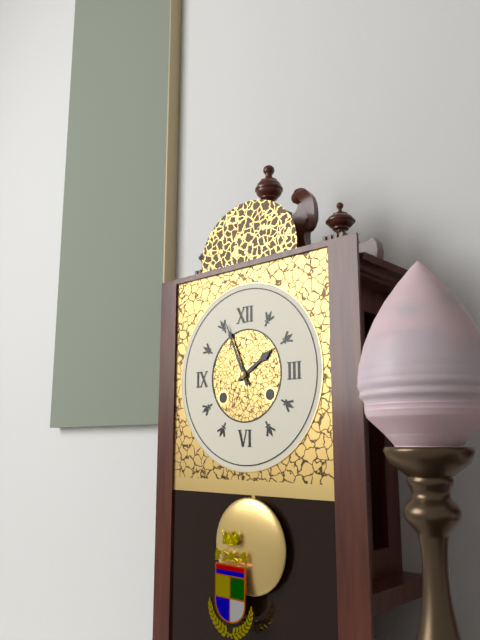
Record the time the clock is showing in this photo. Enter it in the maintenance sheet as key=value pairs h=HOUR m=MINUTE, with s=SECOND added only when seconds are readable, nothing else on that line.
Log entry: h=1 m=56
